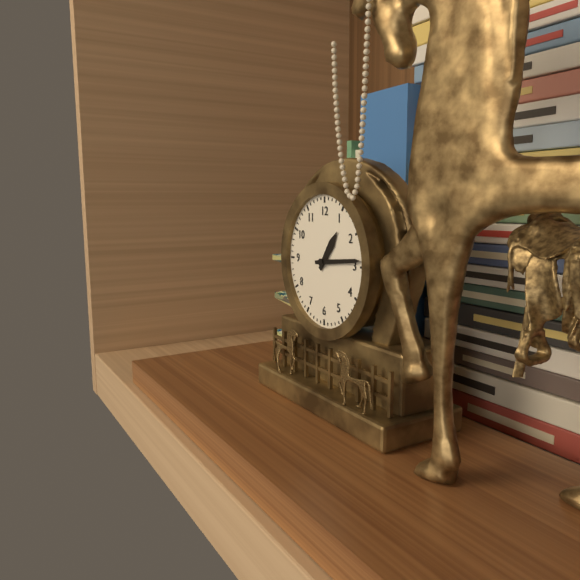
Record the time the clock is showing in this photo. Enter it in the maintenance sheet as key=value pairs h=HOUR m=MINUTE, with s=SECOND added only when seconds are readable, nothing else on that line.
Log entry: h=1 m=14
